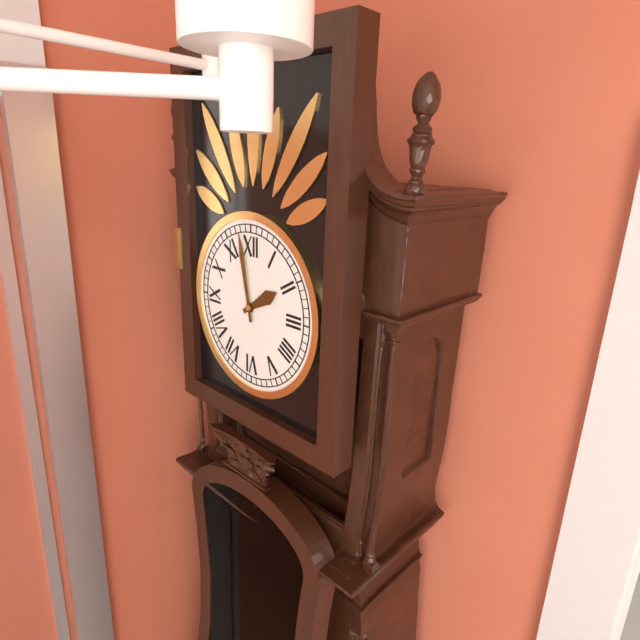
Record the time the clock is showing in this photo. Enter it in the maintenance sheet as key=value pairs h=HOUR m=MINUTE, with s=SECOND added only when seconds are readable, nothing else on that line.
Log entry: h=1 m=58
